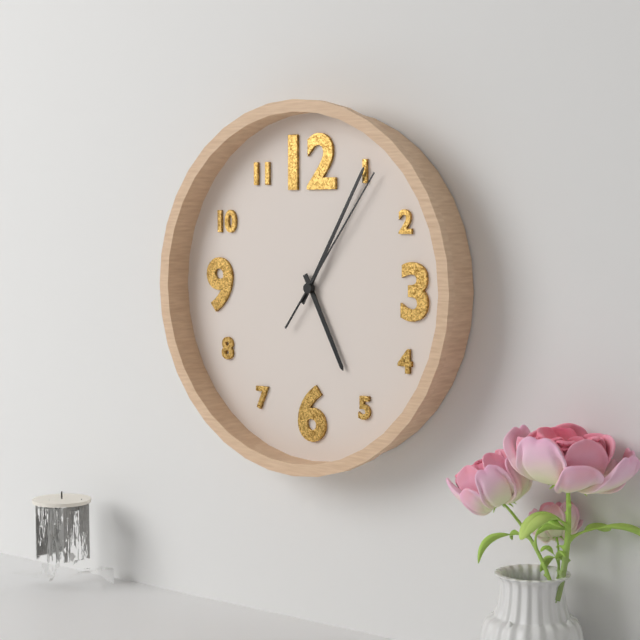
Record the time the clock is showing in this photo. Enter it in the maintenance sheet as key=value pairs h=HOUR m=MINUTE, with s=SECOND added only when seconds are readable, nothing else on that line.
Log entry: h=5 m=5 s=6
